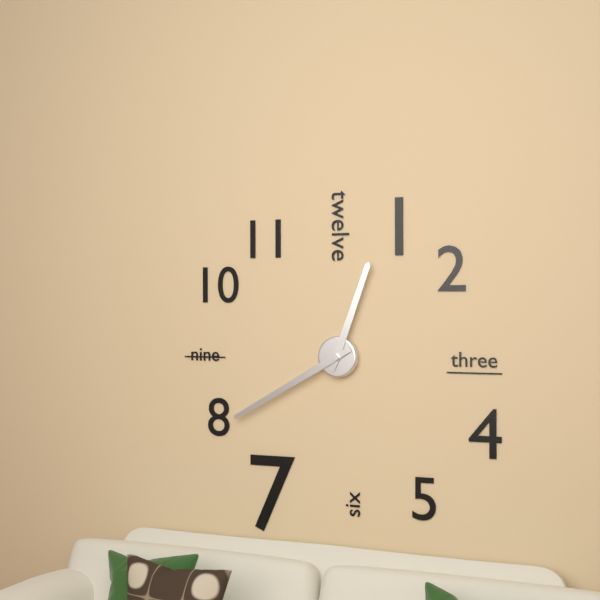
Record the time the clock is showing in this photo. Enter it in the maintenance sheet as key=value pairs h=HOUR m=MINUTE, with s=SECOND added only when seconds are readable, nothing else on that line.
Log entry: h=12 m=40
